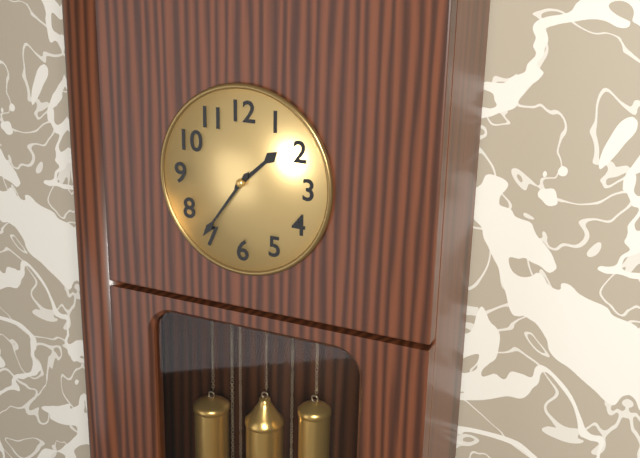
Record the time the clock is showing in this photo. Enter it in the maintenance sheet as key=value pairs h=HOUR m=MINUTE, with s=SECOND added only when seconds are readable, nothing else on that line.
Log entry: h=1 m=36
